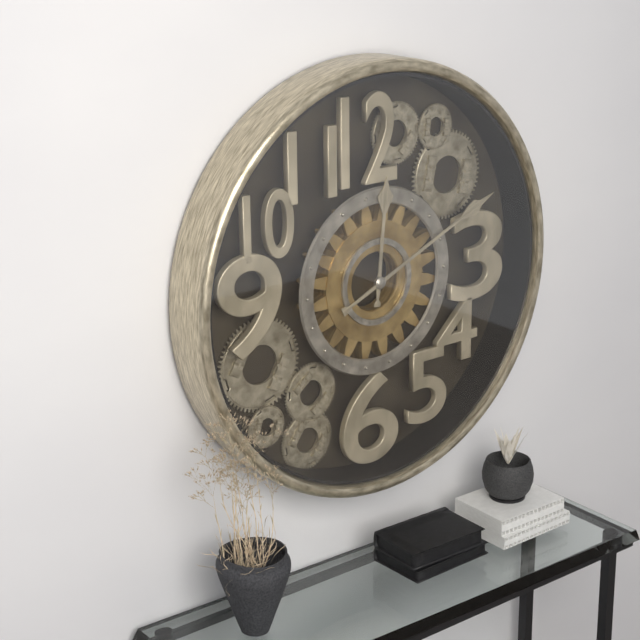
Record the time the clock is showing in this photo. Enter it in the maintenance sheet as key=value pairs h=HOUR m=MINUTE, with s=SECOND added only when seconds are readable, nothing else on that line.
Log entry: h=12 m=11
